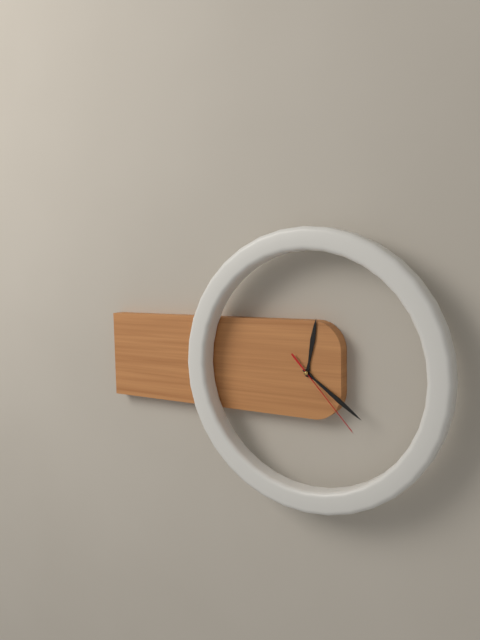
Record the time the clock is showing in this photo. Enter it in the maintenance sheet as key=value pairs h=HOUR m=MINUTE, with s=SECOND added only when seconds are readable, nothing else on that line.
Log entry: h=12 m=21 s=23
